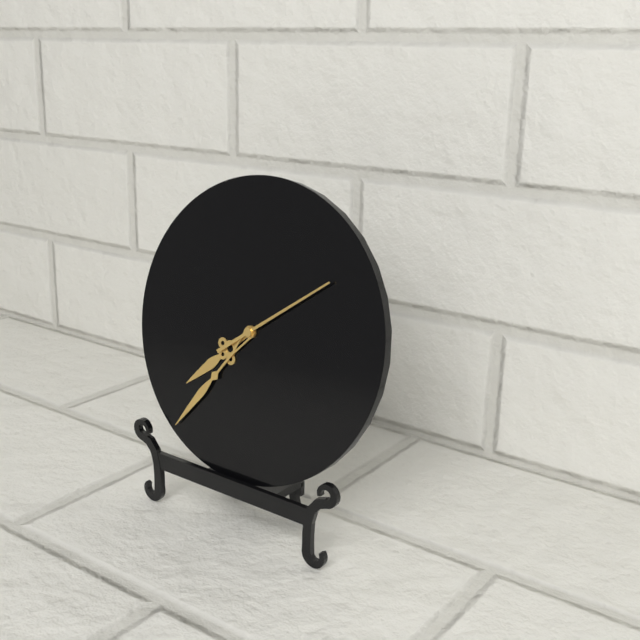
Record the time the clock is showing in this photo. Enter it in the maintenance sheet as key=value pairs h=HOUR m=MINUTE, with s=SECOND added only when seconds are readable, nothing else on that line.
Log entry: h=7 m=36 s=9
